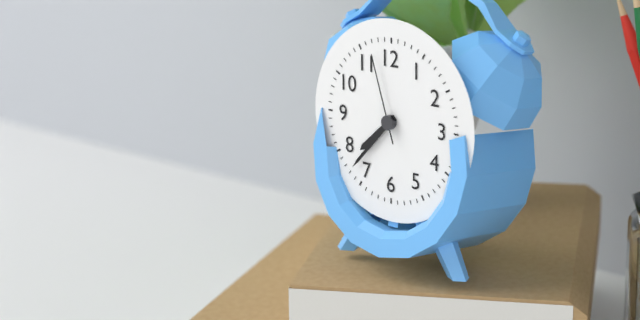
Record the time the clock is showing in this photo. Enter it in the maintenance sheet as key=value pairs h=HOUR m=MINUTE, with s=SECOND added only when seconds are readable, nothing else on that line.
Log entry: h=7 m=37 s=57
